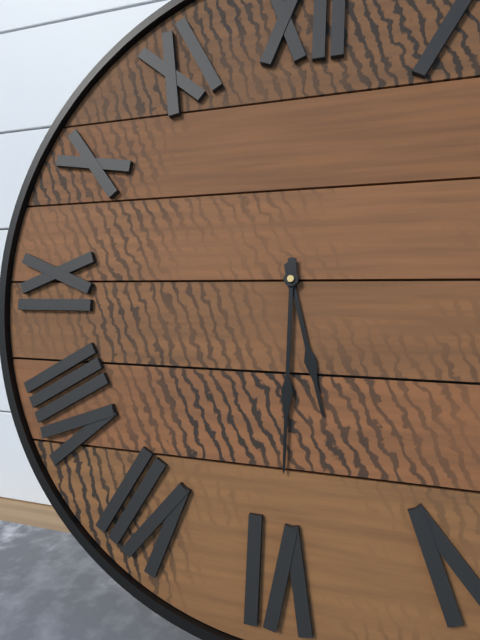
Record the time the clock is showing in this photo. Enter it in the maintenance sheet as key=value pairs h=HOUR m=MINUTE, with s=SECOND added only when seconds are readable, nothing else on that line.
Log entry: h=5 m=30
